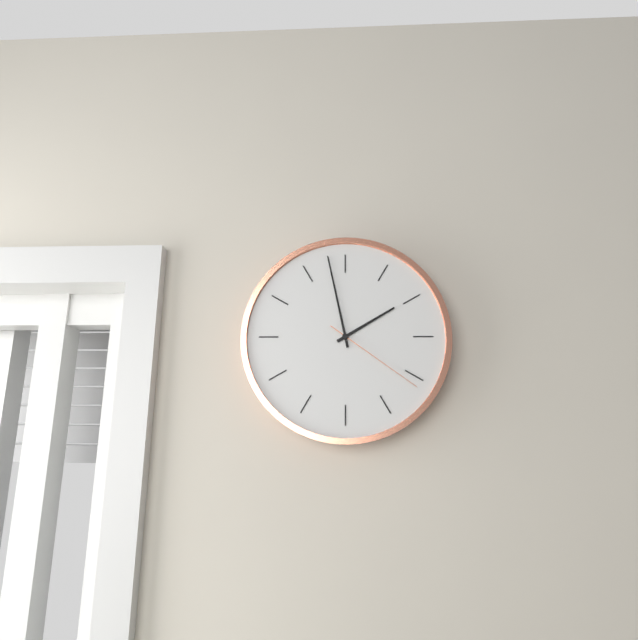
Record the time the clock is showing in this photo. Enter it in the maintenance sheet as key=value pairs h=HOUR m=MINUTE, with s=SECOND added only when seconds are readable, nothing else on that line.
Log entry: h=1 m=58 s=21
